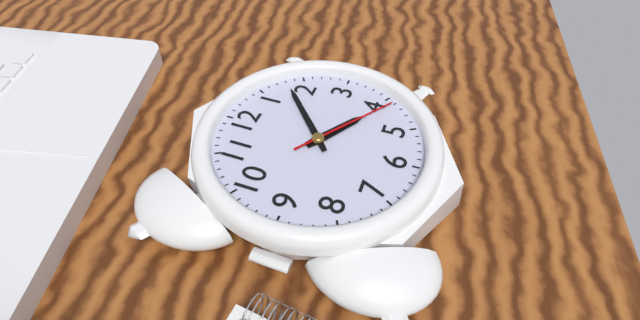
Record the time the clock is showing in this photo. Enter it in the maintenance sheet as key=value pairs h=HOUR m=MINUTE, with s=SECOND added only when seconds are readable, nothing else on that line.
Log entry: h=4 m=8 s=21
